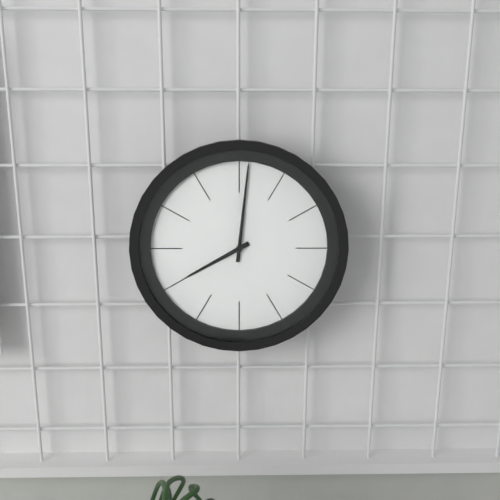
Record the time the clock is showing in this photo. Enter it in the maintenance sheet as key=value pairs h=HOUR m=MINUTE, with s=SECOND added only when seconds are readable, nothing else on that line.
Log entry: h=8 m=1
